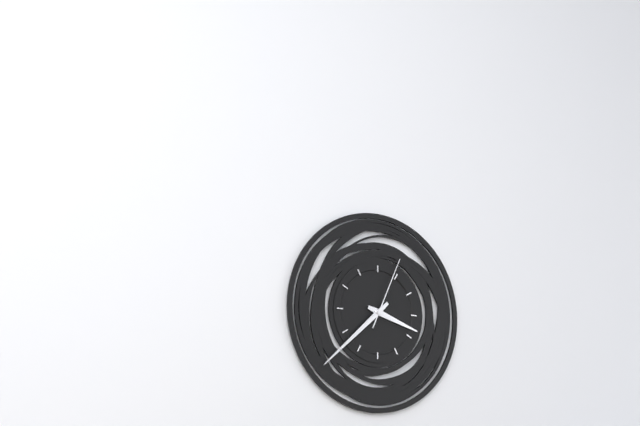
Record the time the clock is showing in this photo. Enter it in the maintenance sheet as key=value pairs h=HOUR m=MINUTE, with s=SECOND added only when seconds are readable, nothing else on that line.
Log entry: h=3 m=38 s=4
